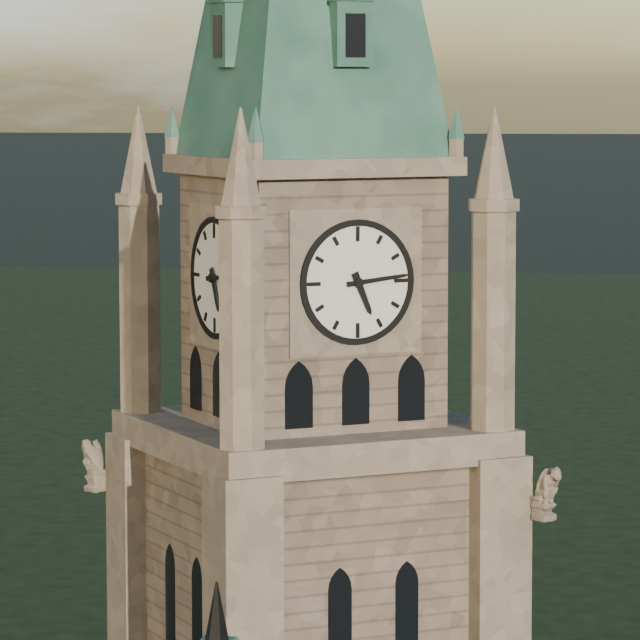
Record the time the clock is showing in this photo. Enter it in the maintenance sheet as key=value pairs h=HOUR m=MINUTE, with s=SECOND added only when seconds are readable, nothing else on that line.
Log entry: h=5 m=14
